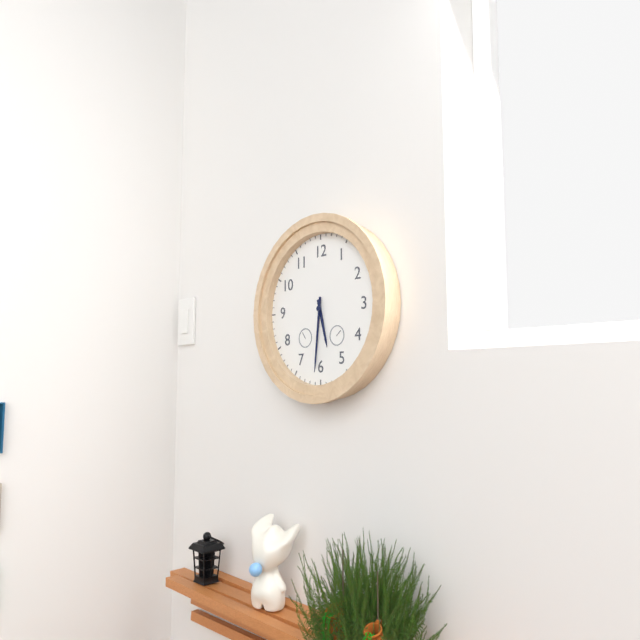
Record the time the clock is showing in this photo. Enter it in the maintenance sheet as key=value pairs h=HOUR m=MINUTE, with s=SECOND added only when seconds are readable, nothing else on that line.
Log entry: h=5 m=31
